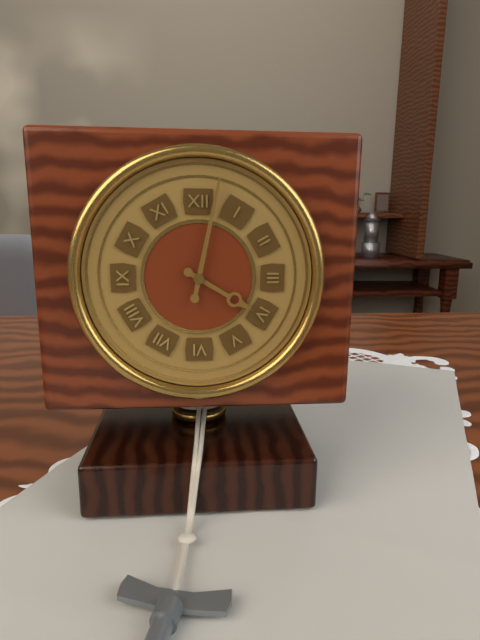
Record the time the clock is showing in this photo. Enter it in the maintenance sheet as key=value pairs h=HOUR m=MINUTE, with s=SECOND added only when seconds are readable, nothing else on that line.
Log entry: h=4 m=2
